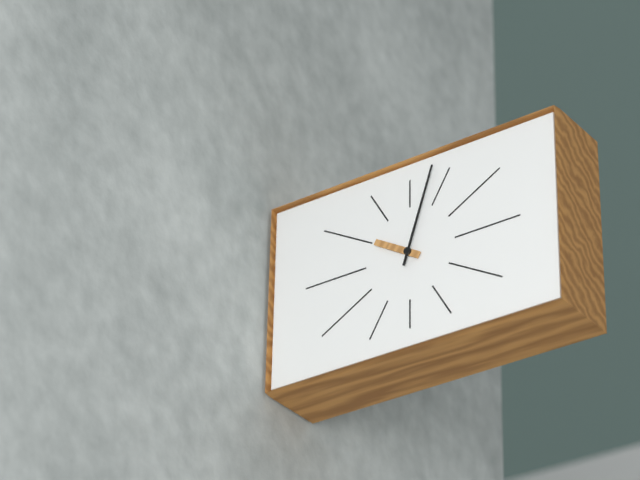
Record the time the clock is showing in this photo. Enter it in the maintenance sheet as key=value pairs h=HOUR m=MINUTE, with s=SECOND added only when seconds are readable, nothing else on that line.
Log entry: h=10 m=3
